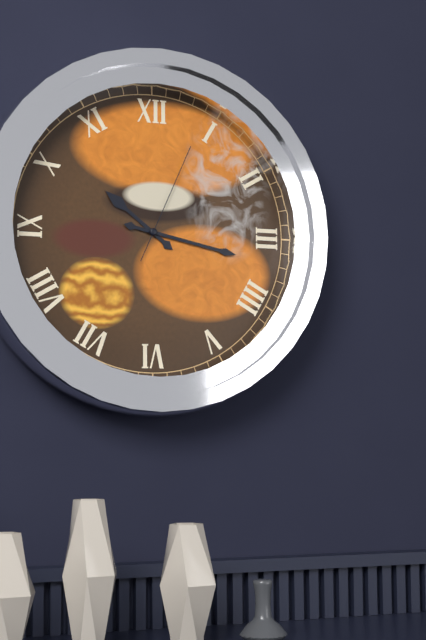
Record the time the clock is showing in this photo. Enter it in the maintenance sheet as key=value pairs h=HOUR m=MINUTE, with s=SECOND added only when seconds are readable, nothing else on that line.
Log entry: h=10 m=17 s=4
